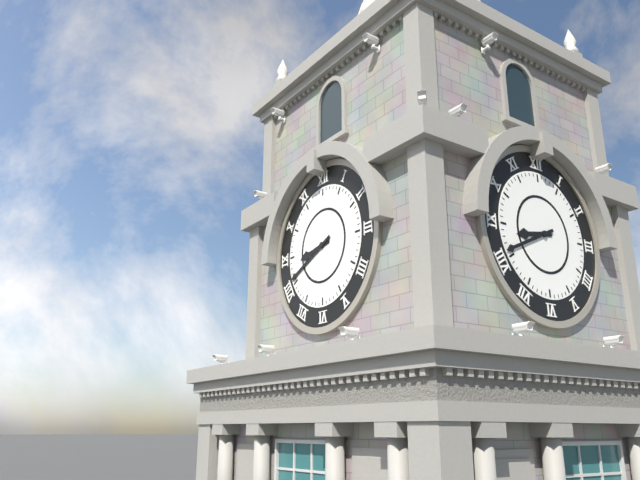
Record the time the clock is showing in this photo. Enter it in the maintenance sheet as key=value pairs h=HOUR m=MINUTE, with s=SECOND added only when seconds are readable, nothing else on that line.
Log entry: h=8 m=41
